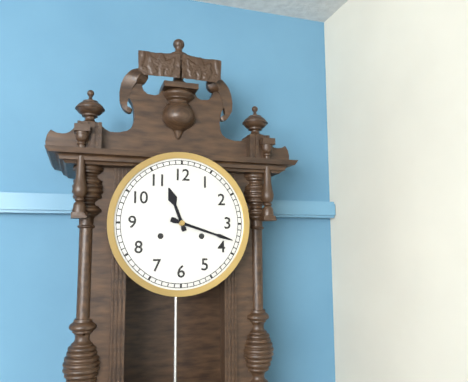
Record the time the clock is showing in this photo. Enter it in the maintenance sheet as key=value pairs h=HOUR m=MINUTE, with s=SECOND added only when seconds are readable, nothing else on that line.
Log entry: h=11 m=18
